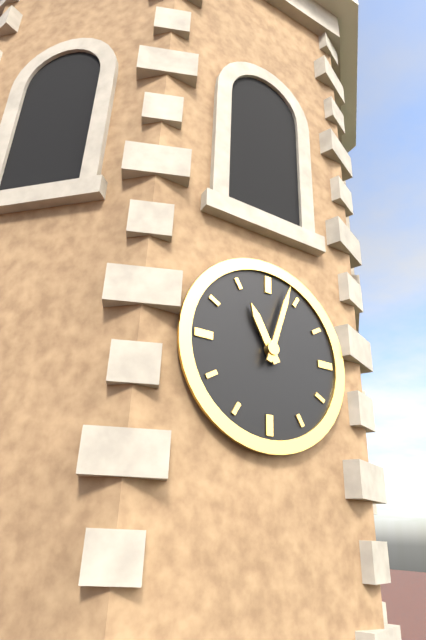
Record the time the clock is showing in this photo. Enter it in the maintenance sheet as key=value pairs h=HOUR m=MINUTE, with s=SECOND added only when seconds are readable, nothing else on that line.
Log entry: h=11 m=3
